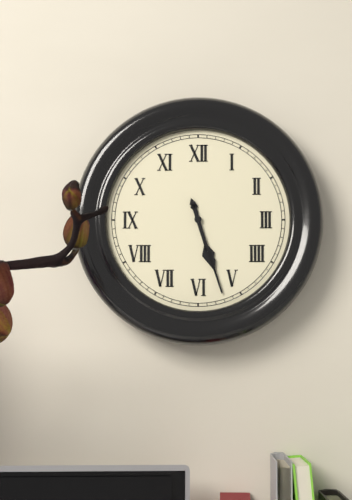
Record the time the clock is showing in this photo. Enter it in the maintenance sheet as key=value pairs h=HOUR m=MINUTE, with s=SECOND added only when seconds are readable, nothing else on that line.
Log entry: h=5 m=27
